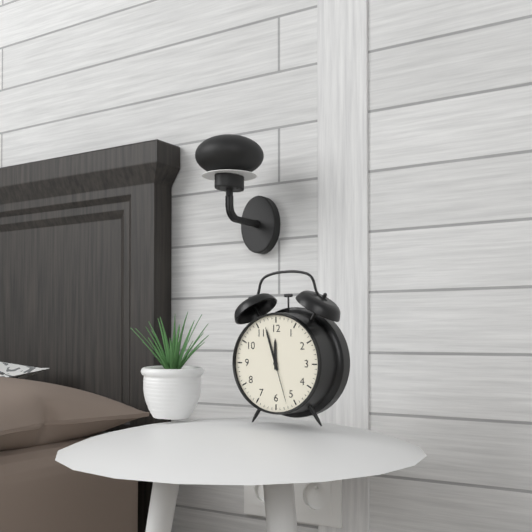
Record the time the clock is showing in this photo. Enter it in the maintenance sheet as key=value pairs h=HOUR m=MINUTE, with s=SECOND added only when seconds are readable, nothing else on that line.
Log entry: h=11 m=57 s=27
